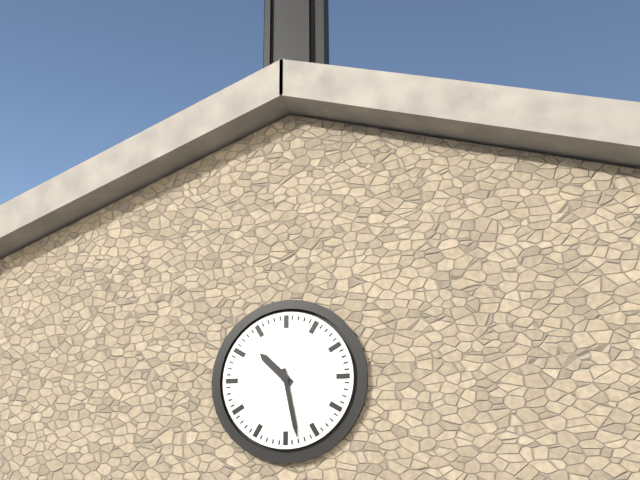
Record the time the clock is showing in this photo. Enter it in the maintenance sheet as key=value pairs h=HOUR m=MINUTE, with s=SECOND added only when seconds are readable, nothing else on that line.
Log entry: h=10 m=28
